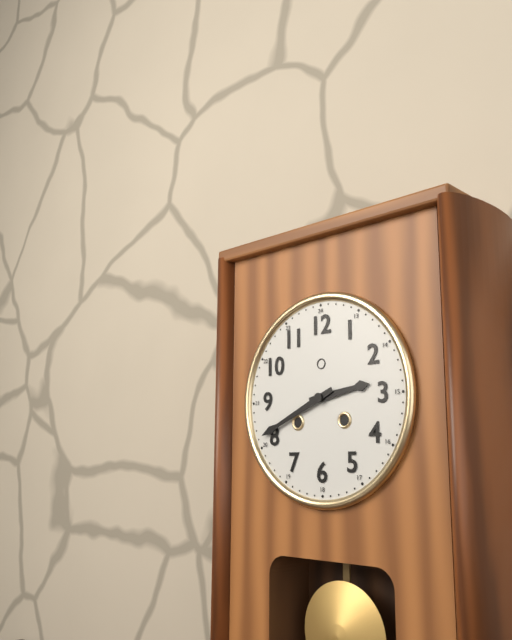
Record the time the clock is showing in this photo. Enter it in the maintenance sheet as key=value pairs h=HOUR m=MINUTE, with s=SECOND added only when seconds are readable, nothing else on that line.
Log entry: h=2 m=41
